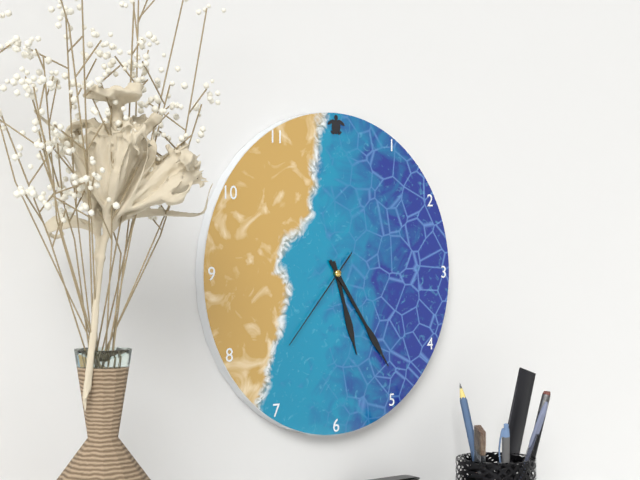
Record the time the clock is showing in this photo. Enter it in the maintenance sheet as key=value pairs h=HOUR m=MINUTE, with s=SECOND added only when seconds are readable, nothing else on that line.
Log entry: h=5 m=24 s=37
